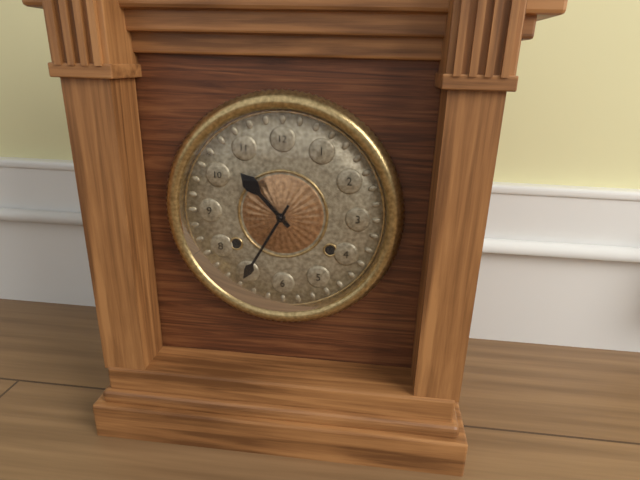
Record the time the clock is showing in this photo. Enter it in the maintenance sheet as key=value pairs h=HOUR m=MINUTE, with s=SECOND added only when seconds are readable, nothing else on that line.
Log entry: h=10 m=35
